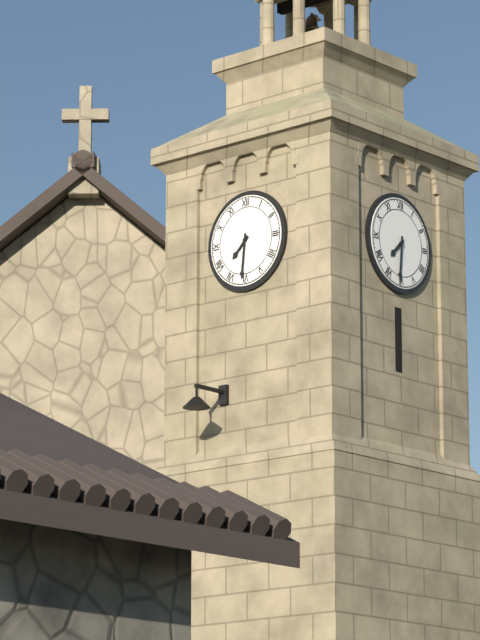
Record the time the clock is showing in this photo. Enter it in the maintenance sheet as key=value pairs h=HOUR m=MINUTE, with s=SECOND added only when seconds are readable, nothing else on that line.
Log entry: h=7 m=31
